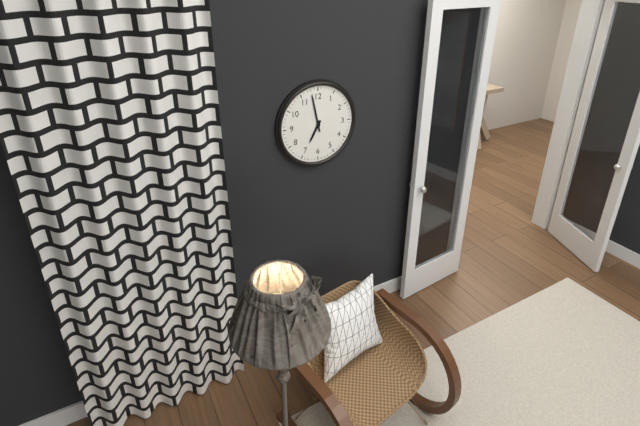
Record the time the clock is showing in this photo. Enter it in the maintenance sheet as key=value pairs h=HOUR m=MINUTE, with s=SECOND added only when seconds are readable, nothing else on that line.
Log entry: h=6 m=58
